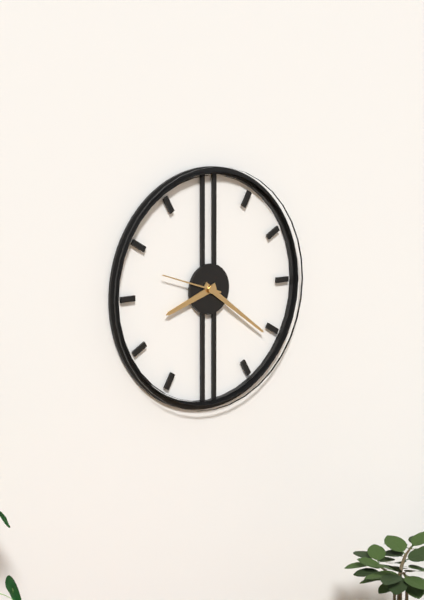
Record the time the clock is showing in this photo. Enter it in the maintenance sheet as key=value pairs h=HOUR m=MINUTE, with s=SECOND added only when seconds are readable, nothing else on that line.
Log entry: h=8 m=21 s=48
